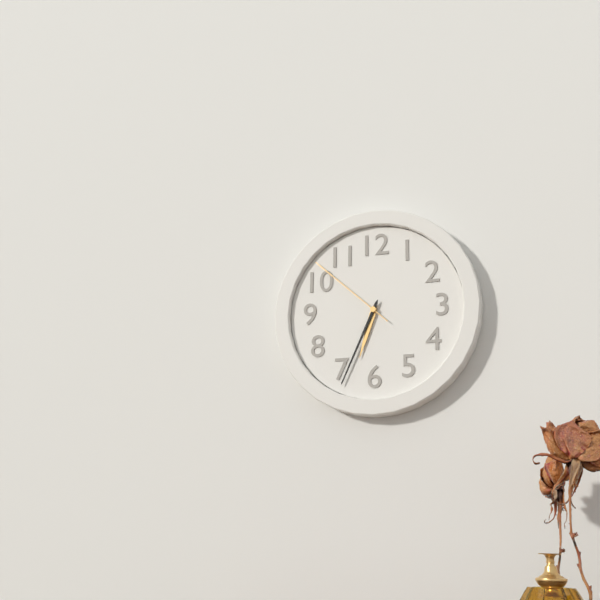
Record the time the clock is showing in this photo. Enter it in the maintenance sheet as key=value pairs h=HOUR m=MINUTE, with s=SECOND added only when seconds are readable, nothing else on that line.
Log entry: h=6 m=34 s=52
